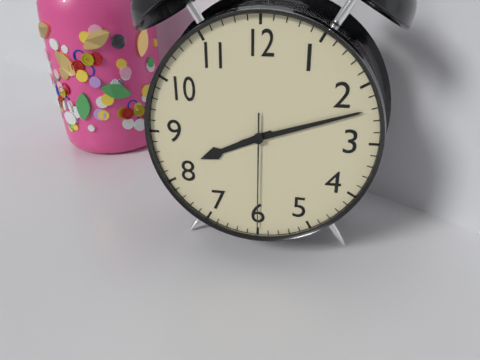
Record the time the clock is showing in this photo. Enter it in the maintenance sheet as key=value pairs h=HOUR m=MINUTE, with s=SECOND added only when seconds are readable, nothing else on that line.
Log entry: h=8 m=12 s=30
